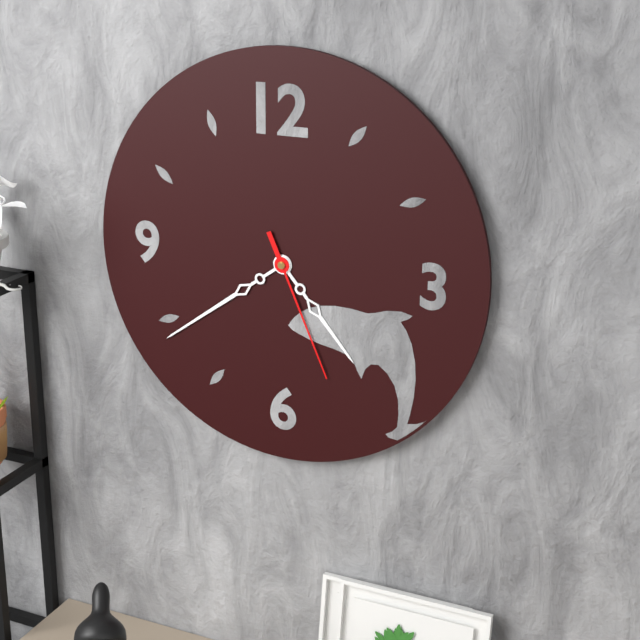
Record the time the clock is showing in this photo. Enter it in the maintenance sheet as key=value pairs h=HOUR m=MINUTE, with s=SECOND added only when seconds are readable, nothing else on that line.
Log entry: h=4 m=39 s=26
